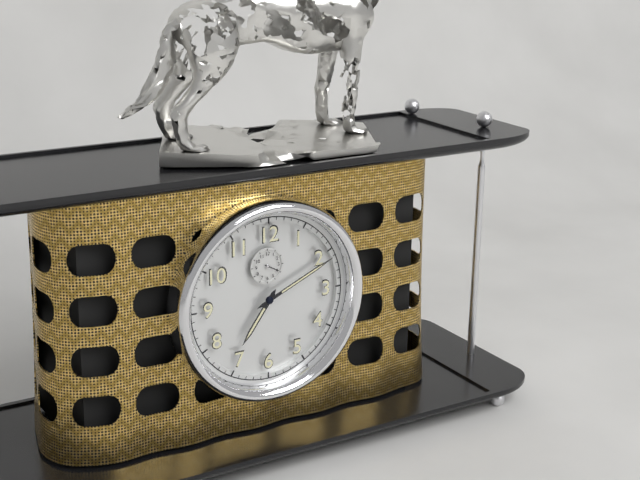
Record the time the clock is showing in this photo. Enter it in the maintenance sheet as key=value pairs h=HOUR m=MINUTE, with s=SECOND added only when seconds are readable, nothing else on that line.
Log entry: h=7 m=11
